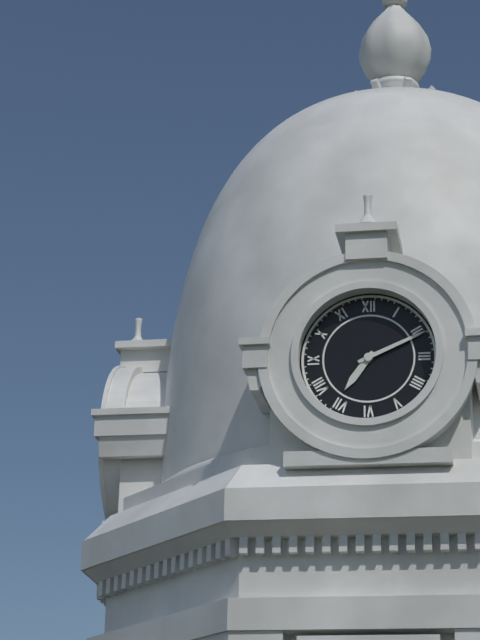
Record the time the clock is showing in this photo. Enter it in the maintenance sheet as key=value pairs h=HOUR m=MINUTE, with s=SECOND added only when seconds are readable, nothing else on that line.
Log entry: h=7 m=11
